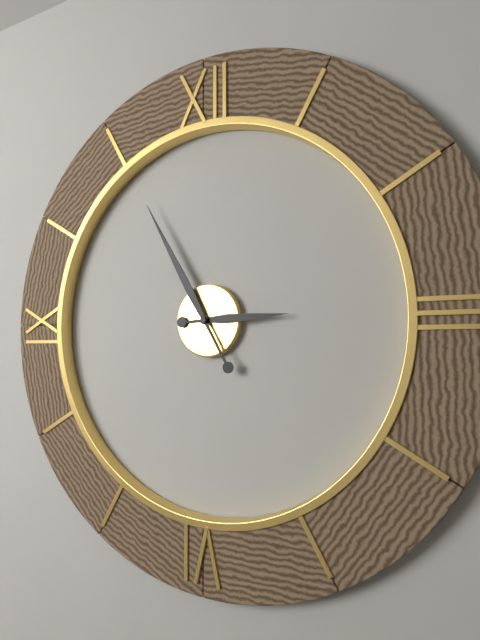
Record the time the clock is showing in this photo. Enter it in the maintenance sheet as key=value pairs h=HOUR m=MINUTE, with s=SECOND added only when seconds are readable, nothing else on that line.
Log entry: h=2 m=55
